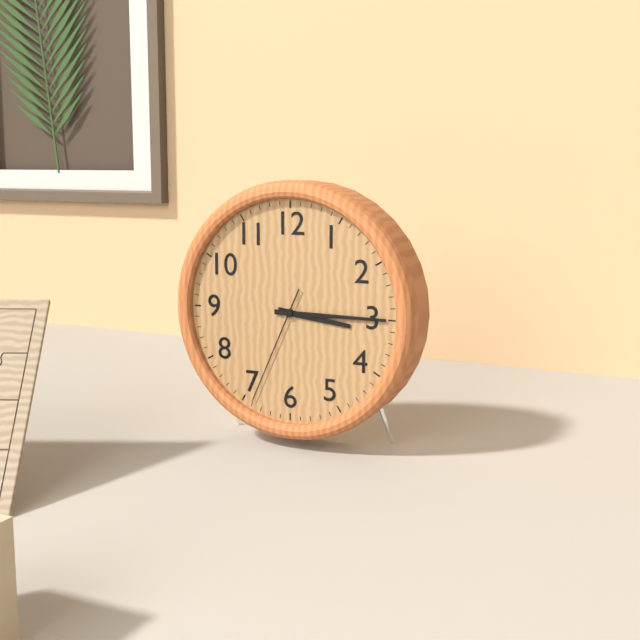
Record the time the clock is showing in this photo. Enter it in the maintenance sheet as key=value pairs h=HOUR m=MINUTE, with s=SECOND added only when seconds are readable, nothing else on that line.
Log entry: h=3 m=15 s=34
